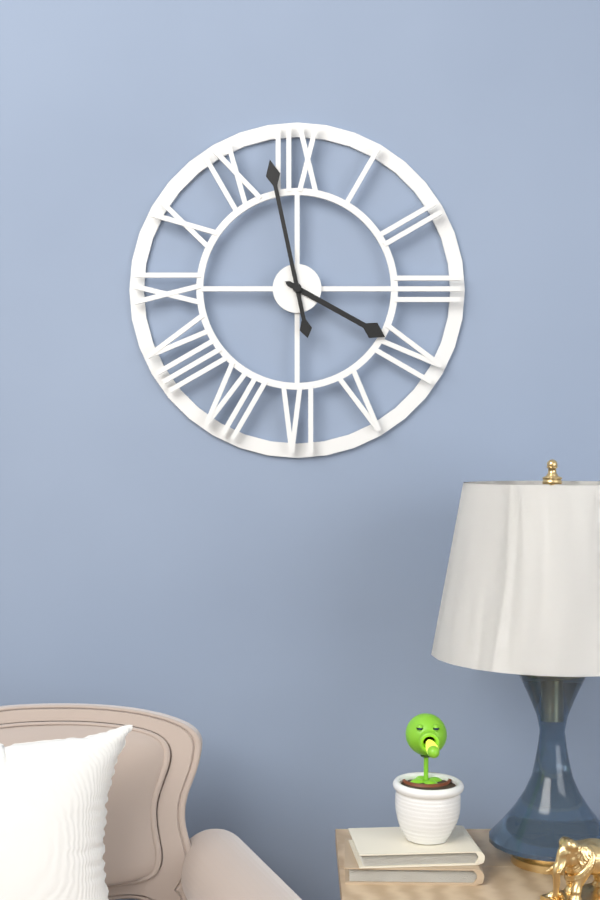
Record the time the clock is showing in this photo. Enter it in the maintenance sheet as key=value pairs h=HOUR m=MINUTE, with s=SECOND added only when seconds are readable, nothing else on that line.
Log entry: h=3 m=58
